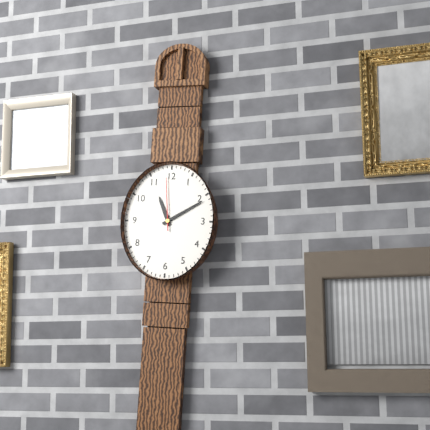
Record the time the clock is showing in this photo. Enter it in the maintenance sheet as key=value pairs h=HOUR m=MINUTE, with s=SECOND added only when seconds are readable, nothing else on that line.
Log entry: h=11 m=10 s=59
